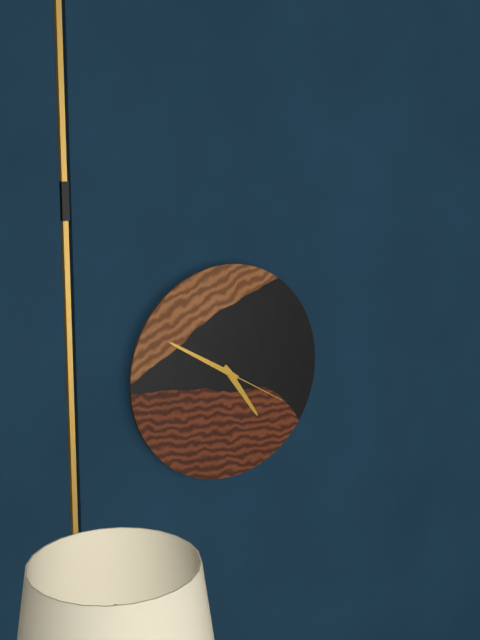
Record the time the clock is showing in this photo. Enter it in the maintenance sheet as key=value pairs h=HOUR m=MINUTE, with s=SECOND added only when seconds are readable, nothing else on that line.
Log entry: h=4 m=50 s=20
